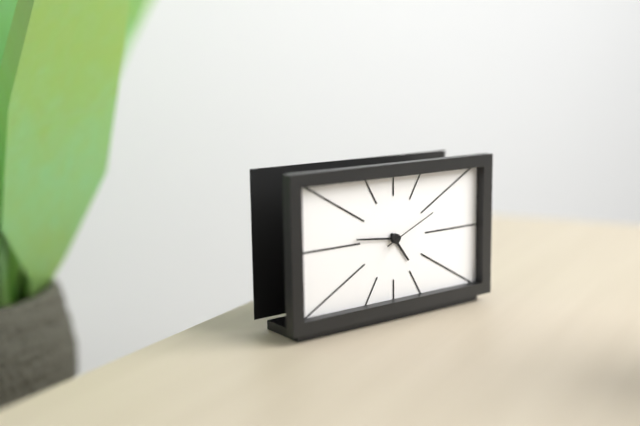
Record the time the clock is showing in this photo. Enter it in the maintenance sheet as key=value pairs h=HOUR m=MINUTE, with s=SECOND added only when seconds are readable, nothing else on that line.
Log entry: h=4 m=46 s=11
